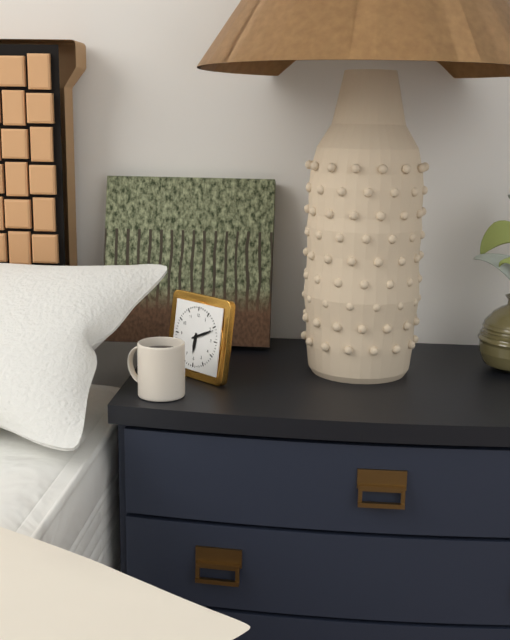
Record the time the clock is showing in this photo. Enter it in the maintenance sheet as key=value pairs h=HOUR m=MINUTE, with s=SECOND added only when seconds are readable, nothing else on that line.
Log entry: h=6 m=11
